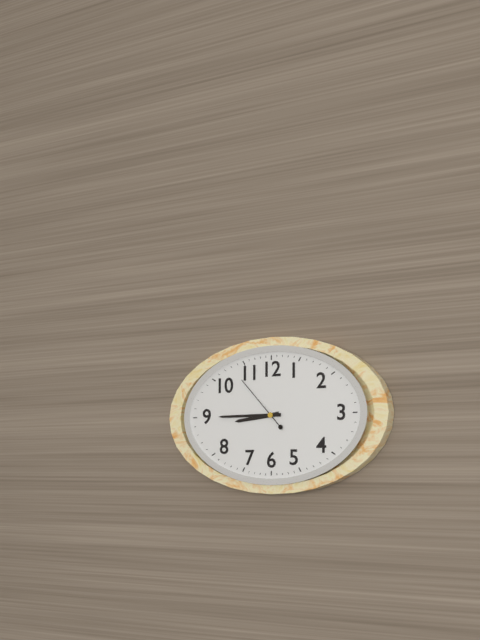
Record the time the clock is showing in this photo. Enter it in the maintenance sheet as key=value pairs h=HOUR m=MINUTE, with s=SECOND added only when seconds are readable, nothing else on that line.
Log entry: h=8 m=45 s=53
